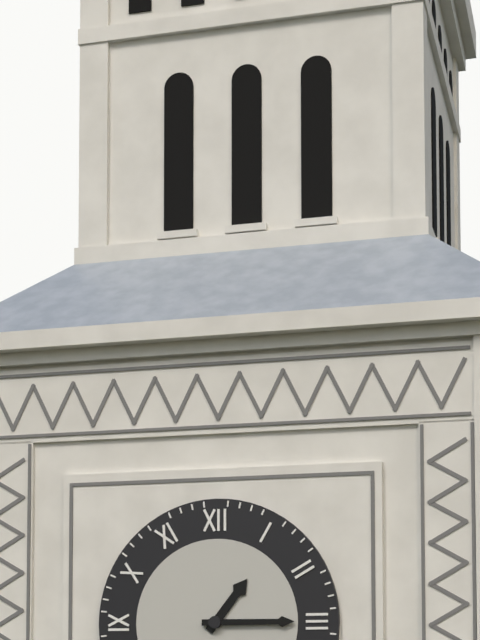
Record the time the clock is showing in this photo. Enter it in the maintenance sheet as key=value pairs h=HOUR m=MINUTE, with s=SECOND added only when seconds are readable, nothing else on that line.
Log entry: h=1 m=15
